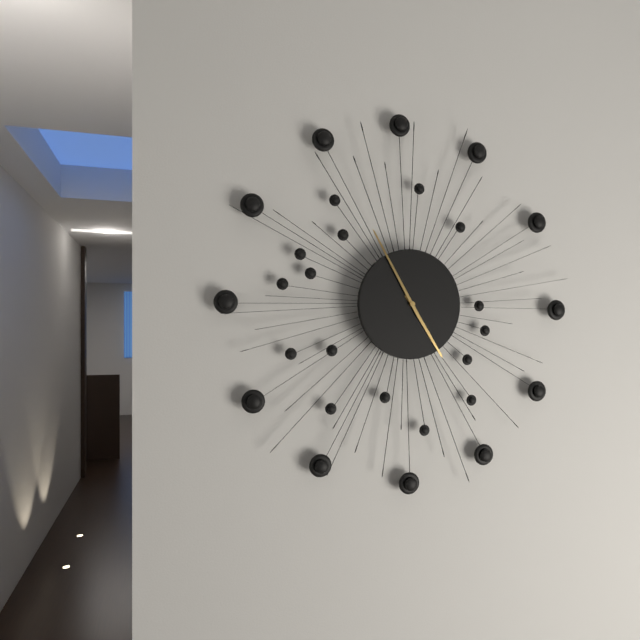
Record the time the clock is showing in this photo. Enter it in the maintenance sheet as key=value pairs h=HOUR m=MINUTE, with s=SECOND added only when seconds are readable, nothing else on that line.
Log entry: h=4 m=55
